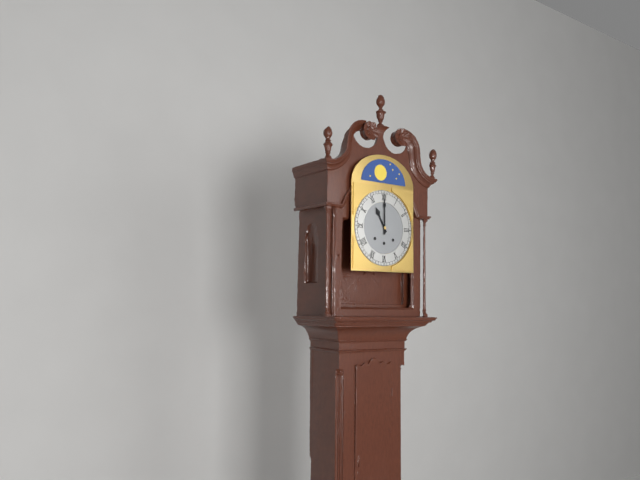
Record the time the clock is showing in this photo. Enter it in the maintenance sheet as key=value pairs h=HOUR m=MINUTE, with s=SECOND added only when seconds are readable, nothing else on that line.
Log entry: h=11 m=0
